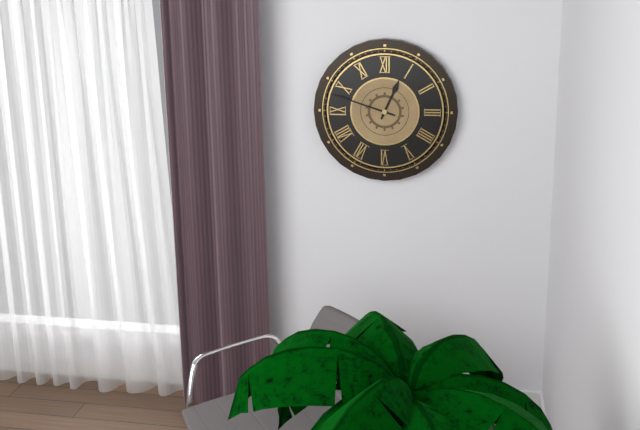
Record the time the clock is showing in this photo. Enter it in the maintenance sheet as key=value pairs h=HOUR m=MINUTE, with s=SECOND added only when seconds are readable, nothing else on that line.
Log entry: h=12 m=48
